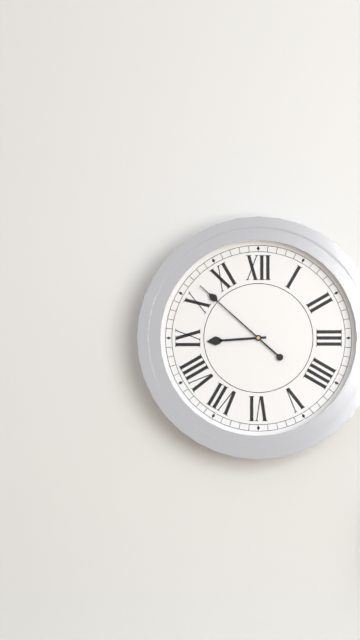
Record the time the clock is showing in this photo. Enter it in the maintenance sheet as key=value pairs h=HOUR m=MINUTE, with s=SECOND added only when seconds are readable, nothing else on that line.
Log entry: h=8 m=52
